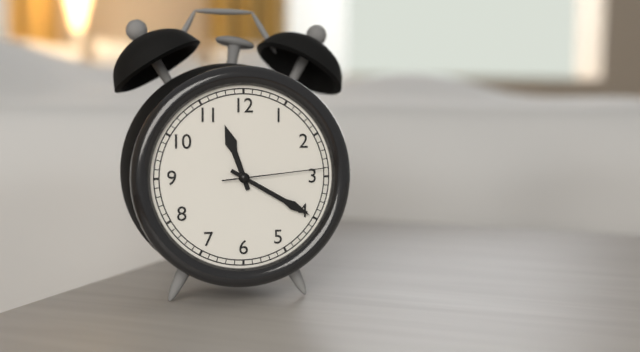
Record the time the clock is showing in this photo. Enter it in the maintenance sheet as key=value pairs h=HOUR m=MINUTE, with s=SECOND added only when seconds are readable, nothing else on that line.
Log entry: h=11 m=20 s=14
